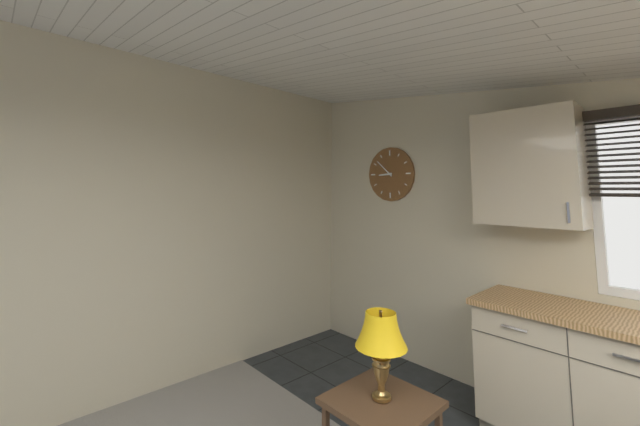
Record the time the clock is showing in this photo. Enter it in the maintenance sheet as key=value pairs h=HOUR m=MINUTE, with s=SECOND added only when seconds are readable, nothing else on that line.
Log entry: h=8 m=52
